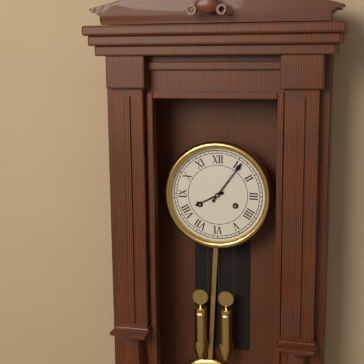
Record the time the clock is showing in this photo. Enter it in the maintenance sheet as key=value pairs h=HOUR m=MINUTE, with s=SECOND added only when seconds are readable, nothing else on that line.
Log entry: h=8 m=6
